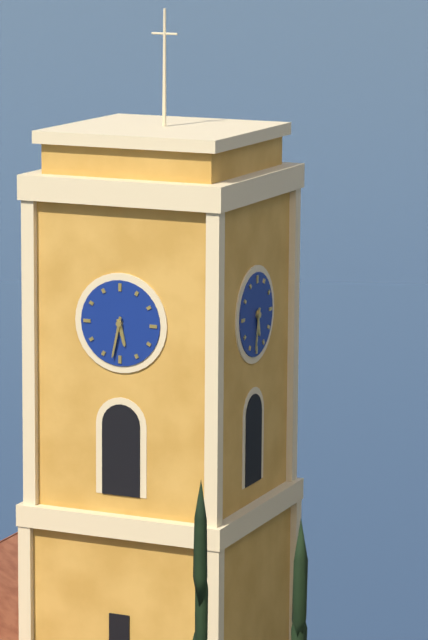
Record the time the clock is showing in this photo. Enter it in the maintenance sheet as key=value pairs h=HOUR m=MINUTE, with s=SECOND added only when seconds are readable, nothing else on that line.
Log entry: h=5 m=32
